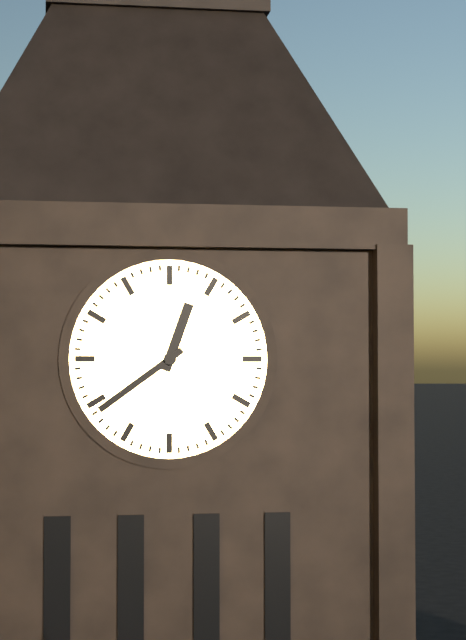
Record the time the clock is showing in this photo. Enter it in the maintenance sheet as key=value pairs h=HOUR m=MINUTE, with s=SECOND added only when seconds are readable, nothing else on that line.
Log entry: h=12 m=39
